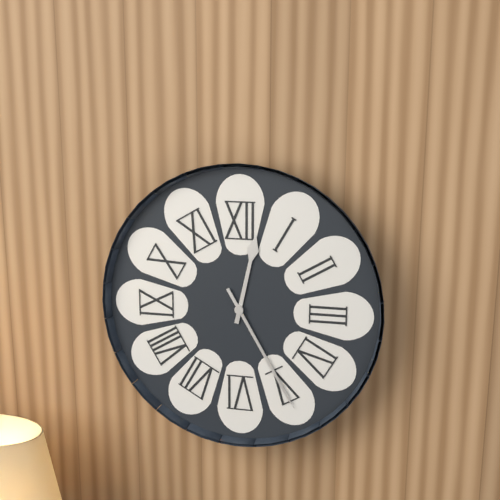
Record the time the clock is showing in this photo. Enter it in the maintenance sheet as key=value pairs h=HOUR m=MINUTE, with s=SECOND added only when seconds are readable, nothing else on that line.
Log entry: h=12 m=25
